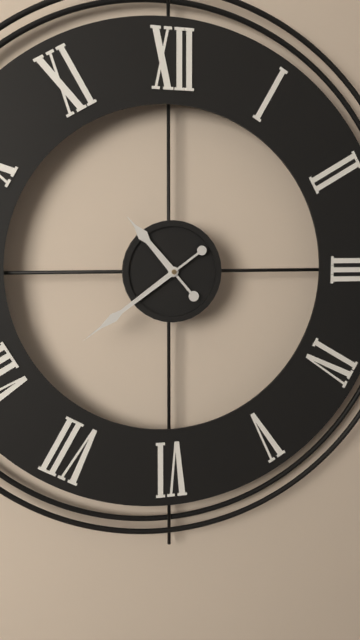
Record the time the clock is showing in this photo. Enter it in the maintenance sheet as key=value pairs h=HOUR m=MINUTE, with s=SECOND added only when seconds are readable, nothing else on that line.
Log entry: h=10 m=39
